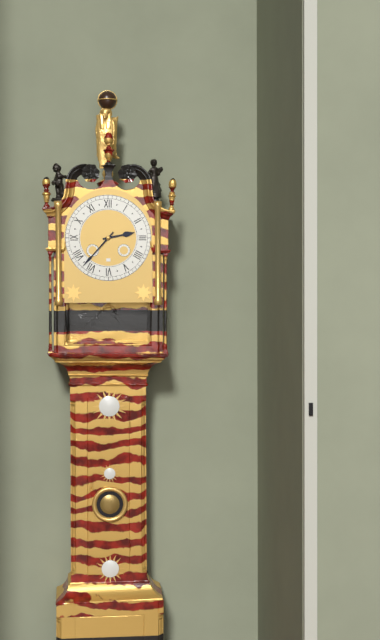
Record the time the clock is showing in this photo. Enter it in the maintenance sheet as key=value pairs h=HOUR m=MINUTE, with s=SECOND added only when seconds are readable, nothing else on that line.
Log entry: h=2 m=37
